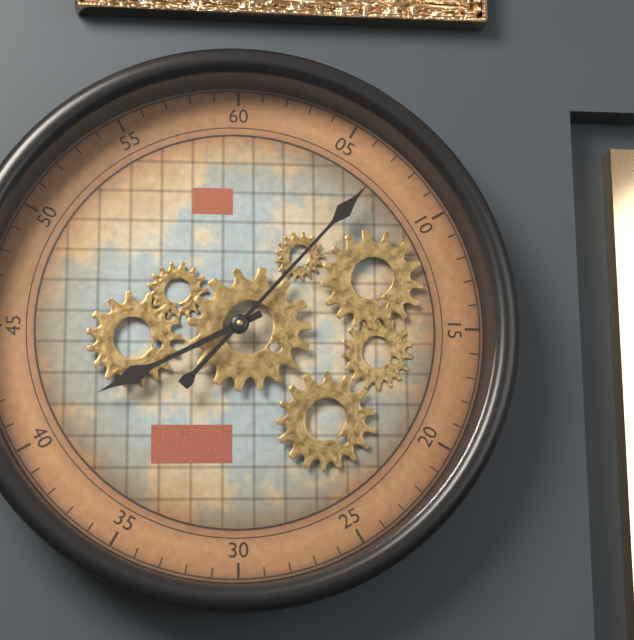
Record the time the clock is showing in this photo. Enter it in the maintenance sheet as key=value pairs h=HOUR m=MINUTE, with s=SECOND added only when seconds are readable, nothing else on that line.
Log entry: h=8 m=7
